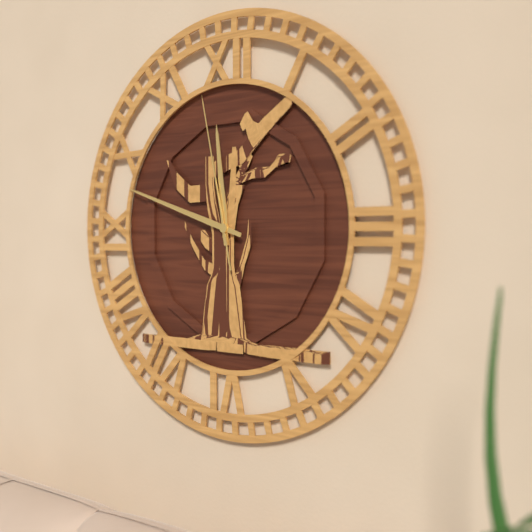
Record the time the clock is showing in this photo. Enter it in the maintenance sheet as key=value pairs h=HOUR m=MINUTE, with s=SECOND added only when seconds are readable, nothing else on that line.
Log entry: h=11 m=48 s=58
